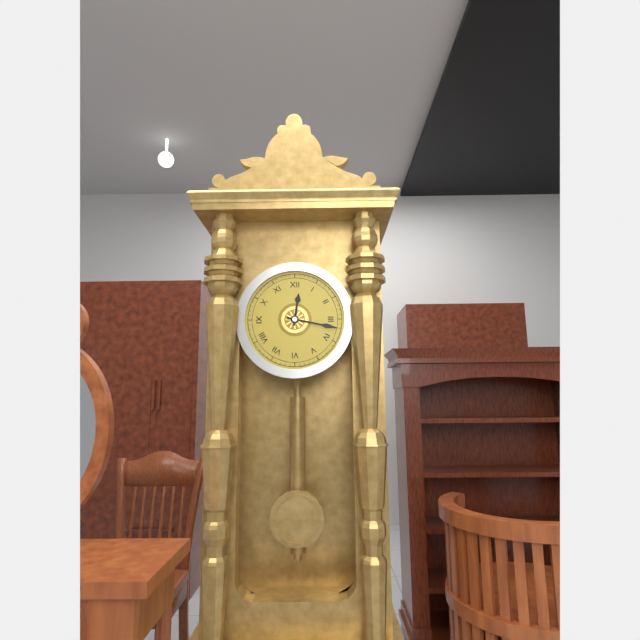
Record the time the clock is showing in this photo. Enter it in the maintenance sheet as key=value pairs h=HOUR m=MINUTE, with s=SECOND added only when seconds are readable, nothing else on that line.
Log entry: h=12 m=17
